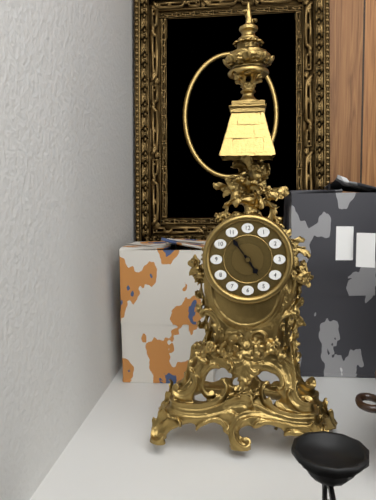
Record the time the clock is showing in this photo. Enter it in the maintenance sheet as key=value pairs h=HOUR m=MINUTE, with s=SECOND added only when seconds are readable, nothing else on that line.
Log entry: h=4 m=54
